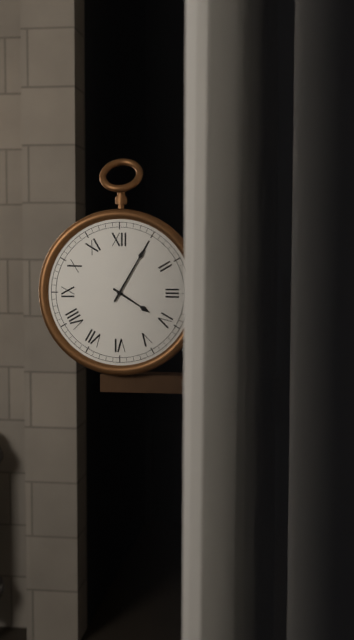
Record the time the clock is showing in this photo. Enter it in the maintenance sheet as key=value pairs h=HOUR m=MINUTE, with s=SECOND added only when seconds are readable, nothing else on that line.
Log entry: h=4 m=5
